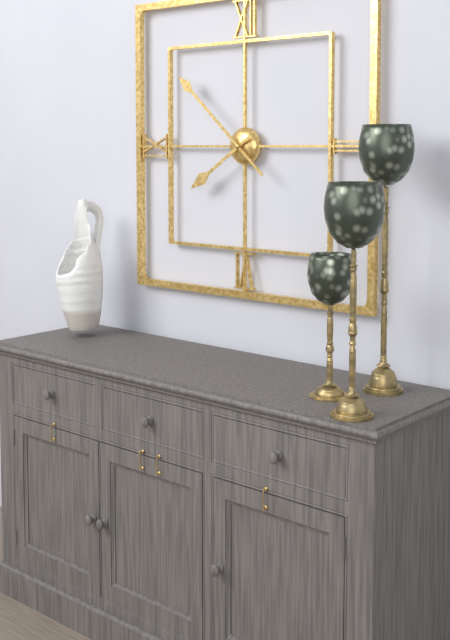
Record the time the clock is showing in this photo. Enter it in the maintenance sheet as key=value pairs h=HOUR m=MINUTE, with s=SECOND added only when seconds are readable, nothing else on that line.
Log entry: h=7 m=52
